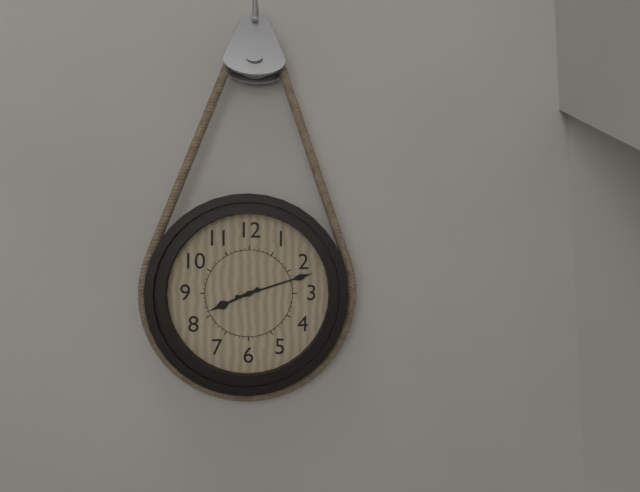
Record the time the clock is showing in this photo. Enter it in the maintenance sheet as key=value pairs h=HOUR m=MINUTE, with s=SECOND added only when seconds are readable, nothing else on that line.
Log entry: h=8 m=12
